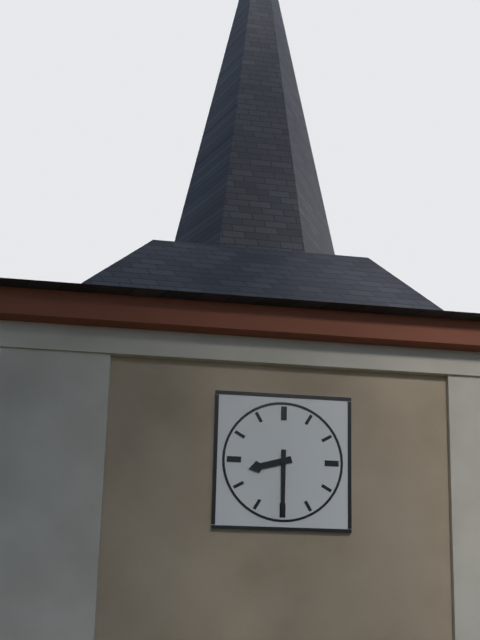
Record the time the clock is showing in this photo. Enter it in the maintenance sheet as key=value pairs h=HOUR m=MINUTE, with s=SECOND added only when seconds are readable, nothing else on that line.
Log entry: h=8 m=30
